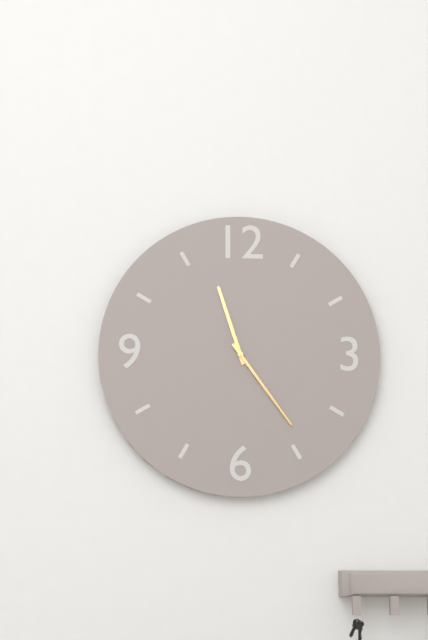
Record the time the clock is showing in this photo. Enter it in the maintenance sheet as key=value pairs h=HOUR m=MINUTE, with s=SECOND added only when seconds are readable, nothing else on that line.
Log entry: h=11 m=24
